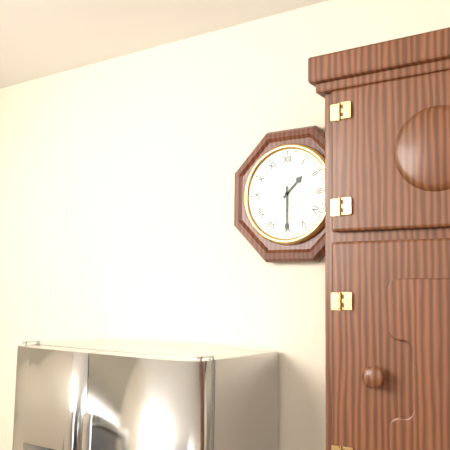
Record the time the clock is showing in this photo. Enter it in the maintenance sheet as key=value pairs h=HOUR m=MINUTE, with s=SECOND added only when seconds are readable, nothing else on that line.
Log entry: h=1 m=30
